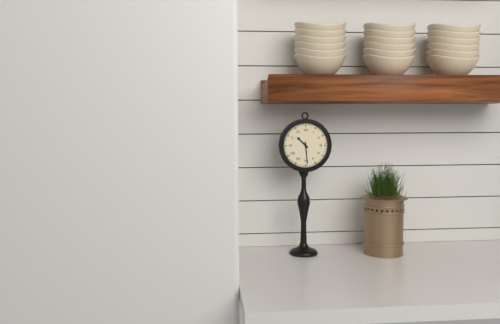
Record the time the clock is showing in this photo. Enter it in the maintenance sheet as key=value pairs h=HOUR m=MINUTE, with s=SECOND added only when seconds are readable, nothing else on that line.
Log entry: h=10 m=29
